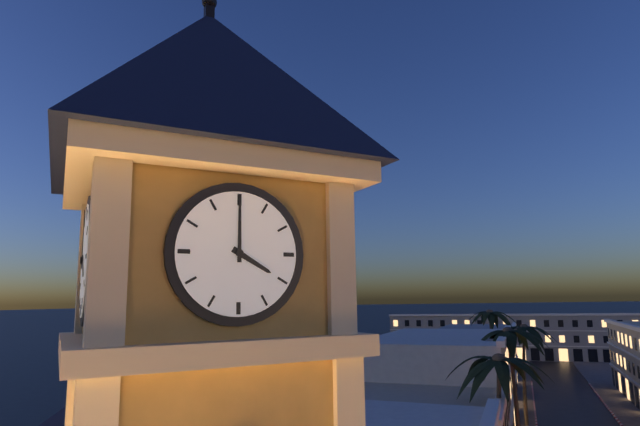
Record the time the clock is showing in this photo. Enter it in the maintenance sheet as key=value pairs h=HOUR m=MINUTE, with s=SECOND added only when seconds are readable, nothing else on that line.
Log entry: h=4 m=0
